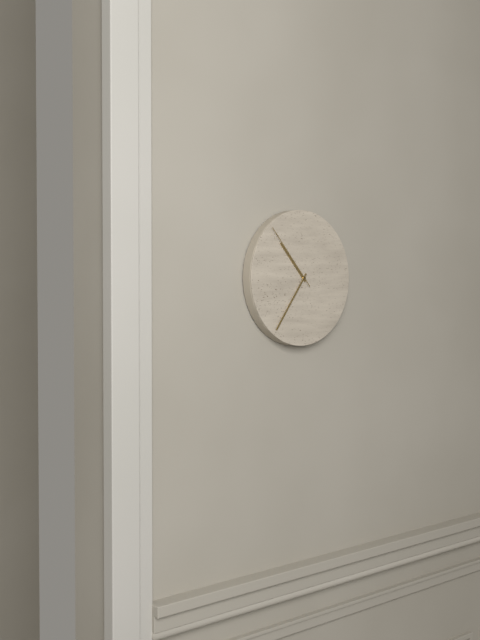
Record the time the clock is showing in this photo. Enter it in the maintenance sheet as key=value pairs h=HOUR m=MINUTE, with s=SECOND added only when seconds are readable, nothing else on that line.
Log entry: h=10 m=36 s=53
